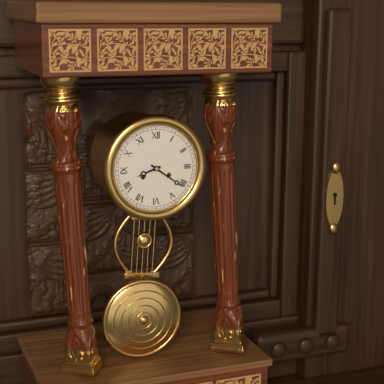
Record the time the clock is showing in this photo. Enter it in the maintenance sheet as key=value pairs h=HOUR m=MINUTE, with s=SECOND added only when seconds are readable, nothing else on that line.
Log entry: h=8 m=21
